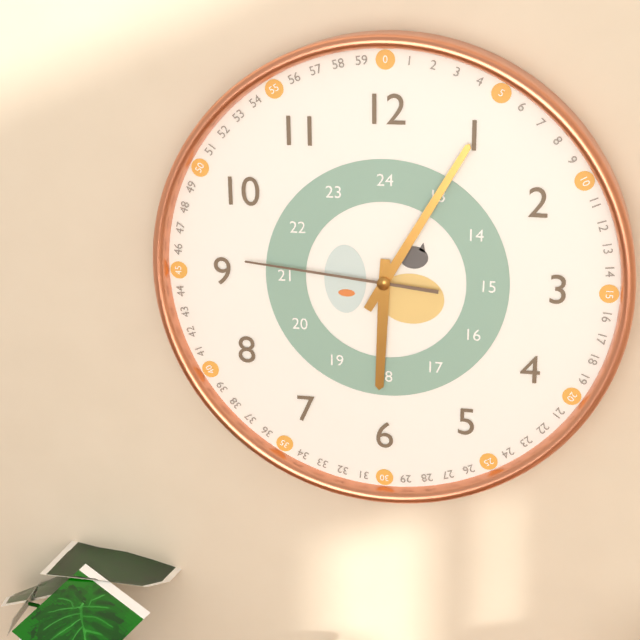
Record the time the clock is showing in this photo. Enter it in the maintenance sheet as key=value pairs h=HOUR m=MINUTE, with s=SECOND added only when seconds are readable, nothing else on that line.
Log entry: h=6 m=5 s=46
